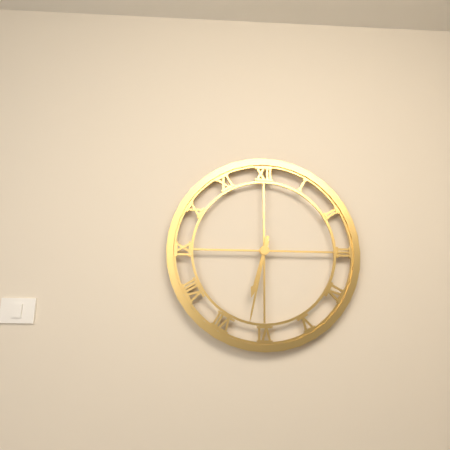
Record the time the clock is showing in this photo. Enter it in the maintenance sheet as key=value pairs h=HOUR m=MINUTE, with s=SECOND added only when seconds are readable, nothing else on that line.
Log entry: h=6 m=32
